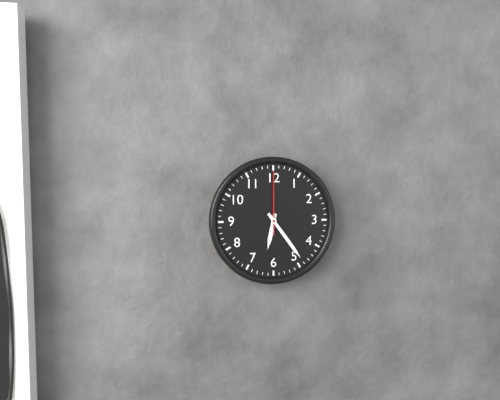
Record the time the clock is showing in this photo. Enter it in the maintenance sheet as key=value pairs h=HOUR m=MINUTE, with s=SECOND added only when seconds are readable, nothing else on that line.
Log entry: h=6 m=24 s=0
